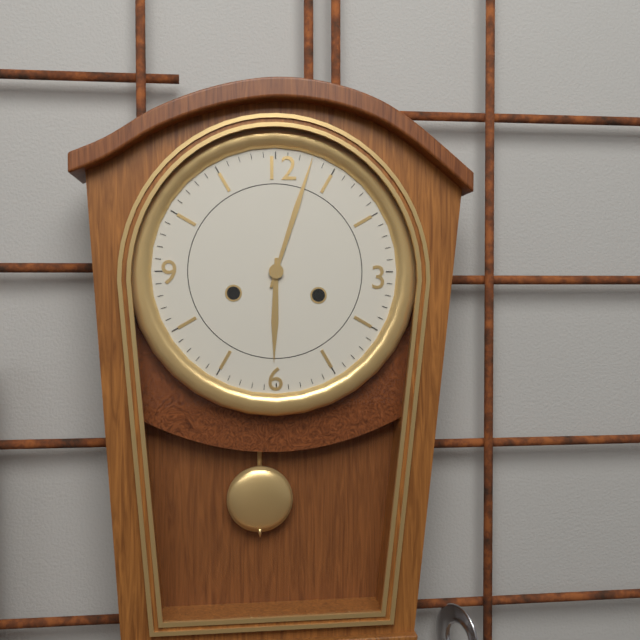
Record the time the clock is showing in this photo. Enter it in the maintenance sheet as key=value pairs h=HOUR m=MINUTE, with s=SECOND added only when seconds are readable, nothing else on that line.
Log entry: h=6 m=3
